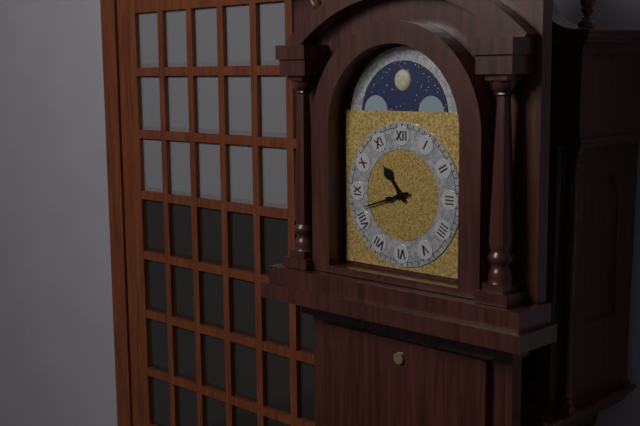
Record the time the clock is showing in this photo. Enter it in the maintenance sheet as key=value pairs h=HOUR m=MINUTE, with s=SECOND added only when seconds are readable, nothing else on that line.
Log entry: h=10 m=42
